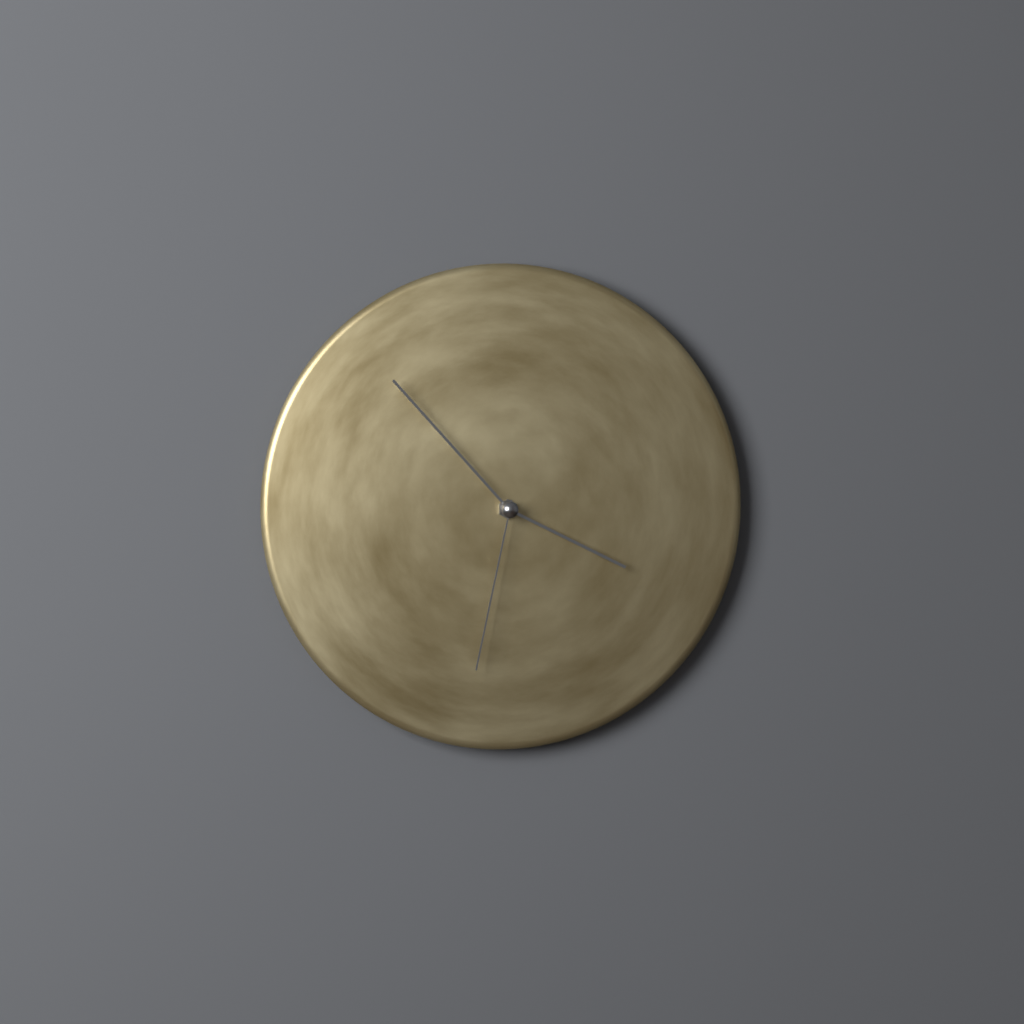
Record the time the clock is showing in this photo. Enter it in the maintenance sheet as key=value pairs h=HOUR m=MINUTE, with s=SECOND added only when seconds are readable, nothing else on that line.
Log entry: h=3 m=53 s=32
